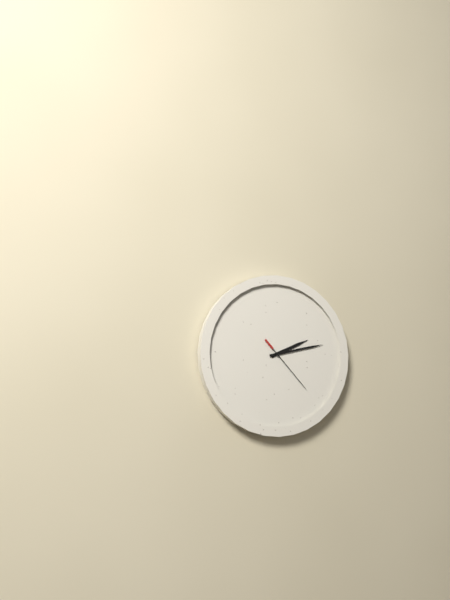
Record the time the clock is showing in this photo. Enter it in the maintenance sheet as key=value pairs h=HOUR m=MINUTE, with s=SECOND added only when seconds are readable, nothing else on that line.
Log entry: h=2 m=13 s=23
